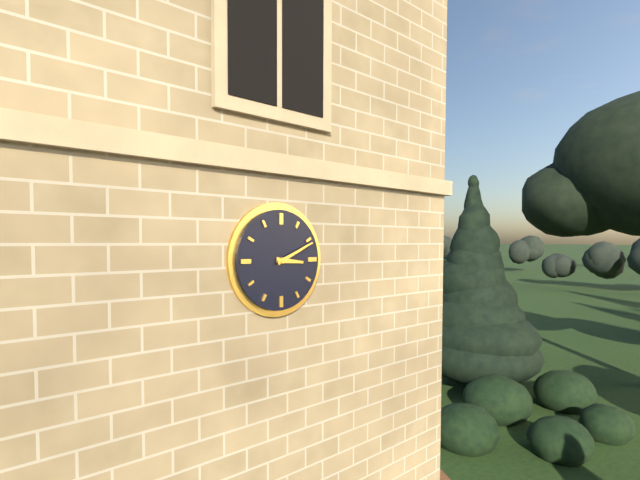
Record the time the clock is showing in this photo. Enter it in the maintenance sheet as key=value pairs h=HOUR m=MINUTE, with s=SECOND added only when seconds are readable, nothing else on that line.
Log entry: h=3 m=11
